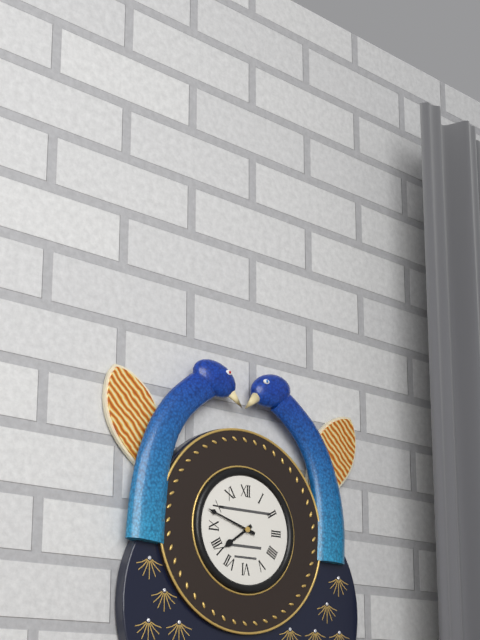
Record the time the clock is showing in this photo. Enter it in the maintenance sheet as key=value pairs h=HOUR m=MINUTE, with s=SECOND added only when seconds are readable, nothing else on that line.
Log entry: h=7 m=48
